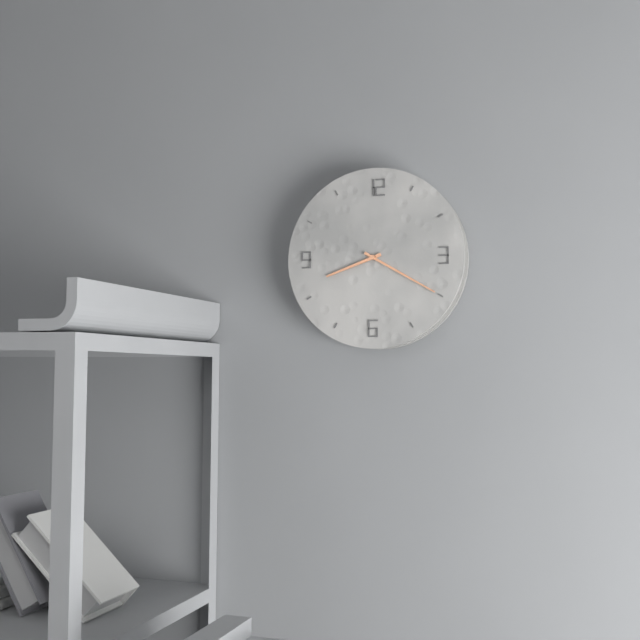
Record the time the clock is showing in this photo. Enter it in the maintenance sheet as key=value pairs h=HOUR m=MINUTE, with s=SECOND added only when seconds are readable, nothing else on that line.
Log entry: h=8 m=20
